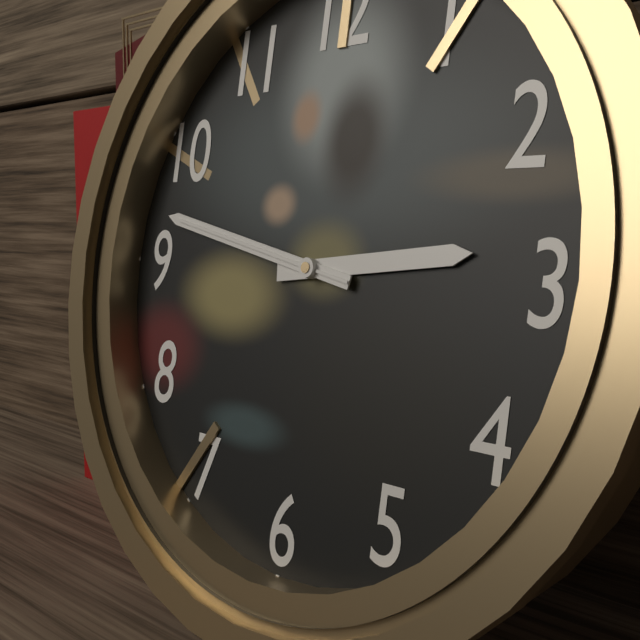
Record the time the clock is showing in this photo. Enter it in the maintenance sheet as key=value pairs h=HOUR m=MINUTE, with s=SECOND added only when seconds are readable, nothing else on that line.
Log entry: h=2 m=47 s=47
